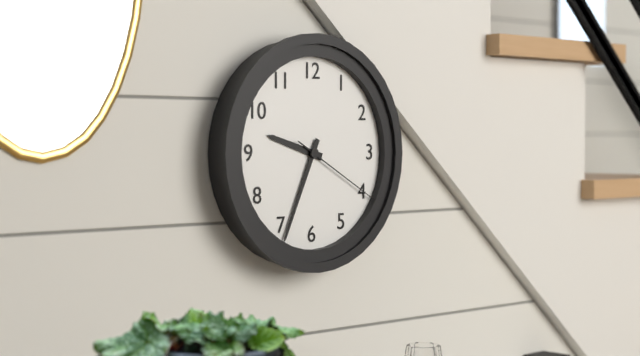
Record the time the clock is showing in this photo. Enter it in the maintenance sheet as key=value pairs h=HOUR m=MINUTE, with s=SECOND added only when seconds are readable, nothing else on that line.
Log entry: h=9 m=34 s=20
